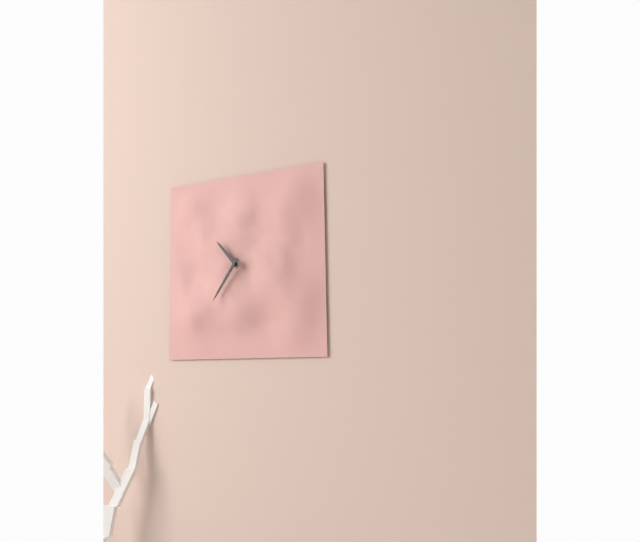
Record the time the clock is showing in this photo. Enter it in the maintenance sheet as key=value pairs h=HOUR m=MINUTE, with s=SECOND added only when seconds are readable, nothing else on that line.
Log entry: h=10 m=36
